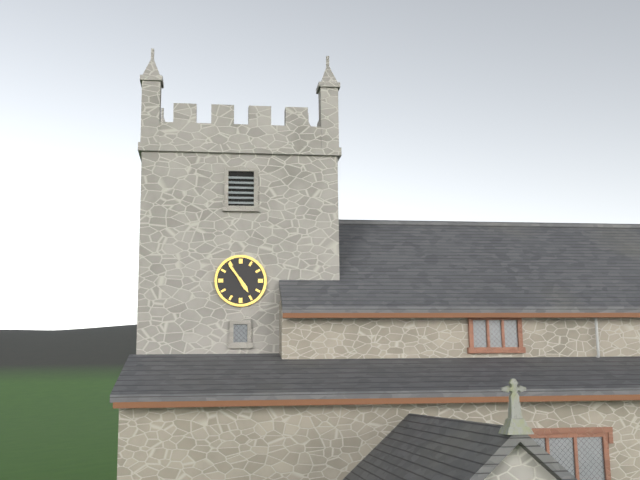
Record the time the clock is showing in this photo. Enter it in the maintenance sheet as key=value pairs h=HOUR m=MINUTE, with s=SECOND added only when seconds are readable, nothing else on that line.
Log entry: h=4 m=54
